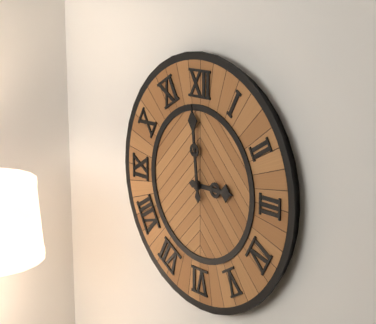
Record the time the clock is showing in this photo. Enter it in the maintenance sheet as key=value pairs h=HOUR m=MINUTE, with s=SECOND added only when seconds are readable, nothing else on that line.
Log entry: h=2 m=59
